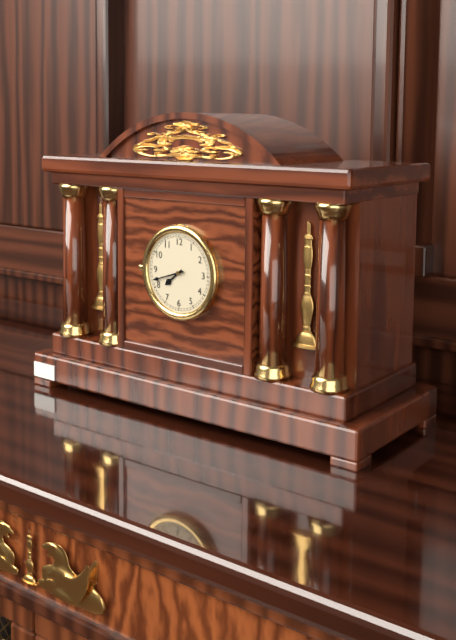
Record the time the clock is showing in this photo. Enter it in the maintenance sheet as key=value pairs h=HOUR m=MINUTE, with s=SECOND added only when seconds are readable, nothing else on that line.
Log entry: h=7 m=42
